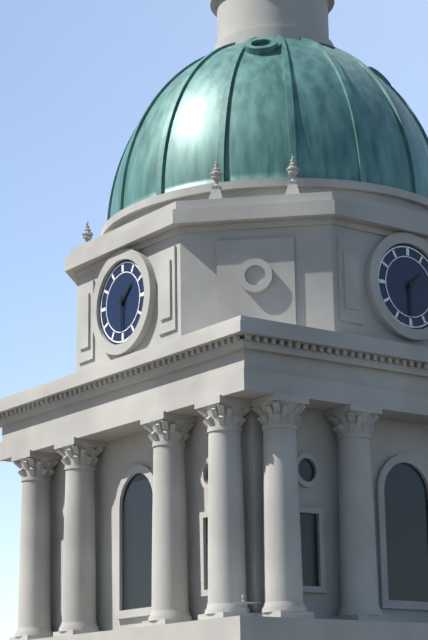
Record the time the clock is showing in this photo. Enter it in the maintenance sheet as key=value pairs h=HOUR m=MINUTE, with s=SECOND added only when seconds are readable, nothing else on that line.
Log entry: h=1 m=30
